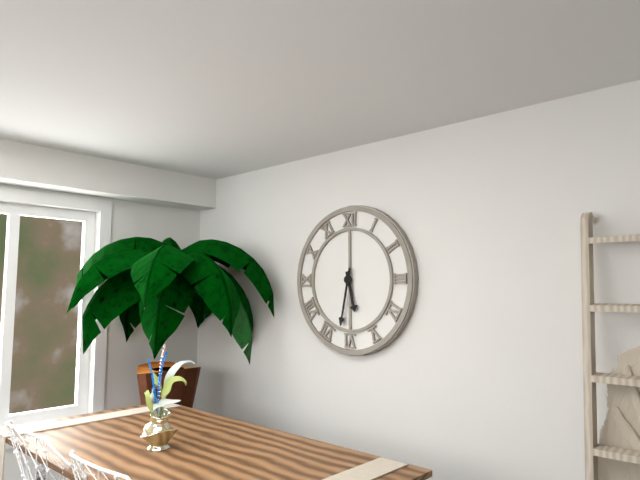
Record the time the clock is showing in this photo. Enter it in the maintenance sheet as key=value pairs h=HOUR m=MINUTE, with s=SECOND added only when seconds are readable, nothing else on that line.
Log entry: h=5 m=32
